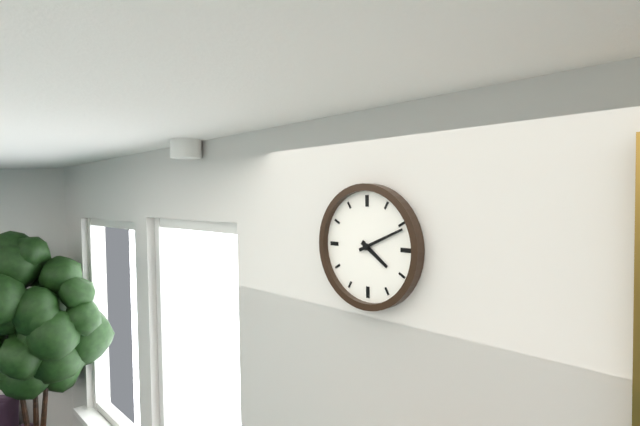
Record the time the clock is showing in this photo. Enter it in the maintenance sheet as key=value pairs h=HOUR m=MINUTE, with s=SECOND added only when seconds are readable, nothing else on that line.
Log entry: h=4 m=11
